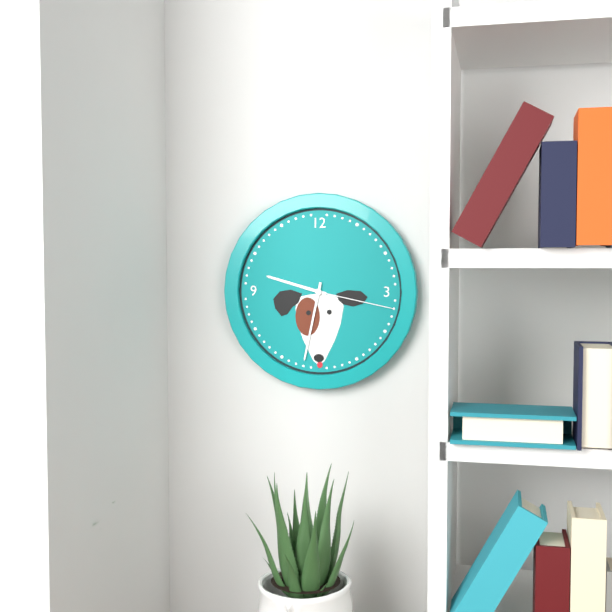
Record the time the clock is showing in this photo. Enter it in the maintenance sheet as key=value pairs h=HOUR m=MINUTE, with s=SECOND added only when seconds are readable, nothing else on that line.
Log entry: h=9 m=32 s=17
